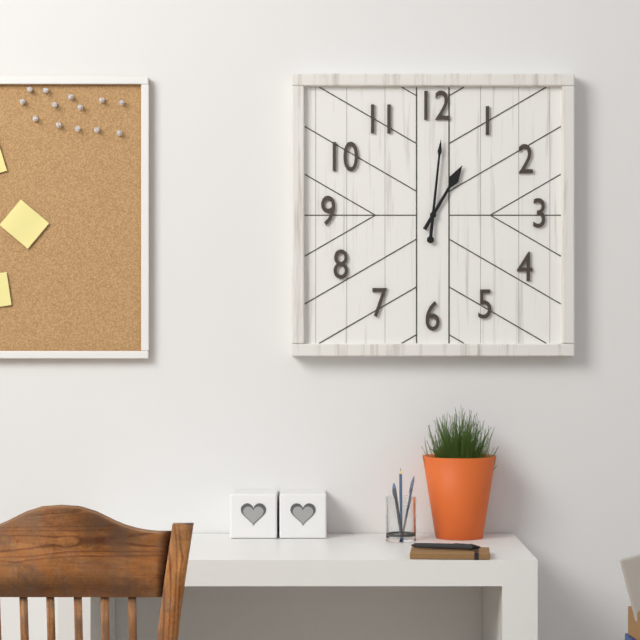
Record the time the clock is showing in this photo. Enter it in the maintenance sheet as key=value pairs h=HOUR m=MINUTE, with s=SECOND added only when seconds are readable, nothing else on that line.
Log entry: h=1 m=1
